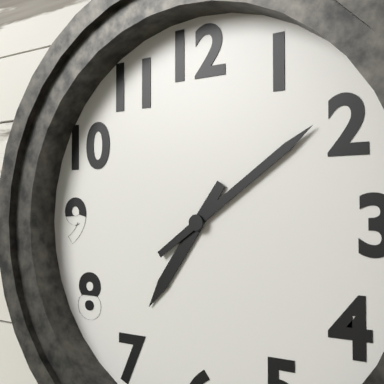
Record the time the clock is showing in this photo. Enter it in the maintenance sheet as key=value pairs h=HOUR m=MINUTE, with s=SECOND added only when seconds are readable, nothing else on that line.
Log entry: h=7 m=9
